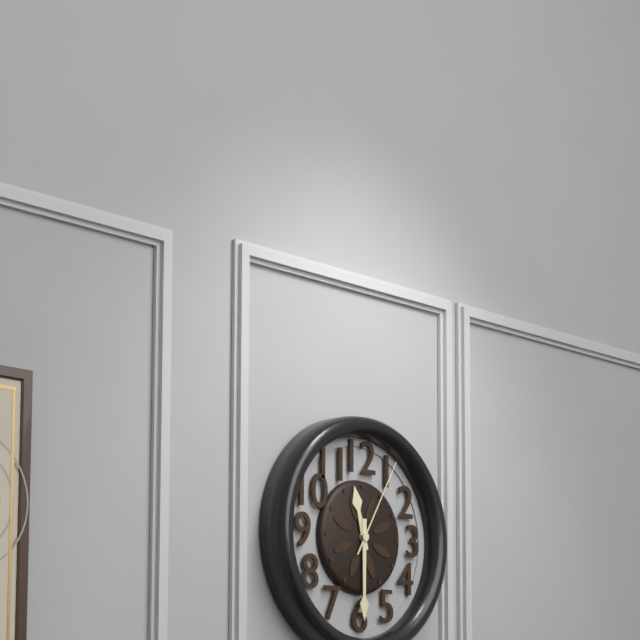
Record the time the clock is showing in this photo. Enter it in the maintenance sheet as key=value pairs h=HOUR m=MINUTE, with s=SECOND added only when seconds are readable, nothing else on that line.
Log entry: h=11 m=30 s=5
